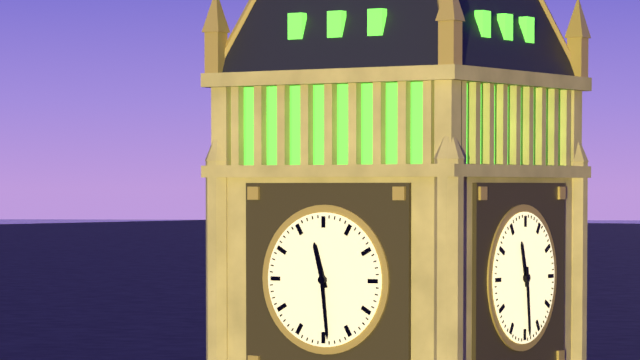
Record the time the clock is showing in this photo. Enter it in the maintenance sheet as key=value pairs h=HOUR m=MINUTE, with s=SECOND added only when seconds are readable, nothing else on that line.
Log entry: h=11 m=29
